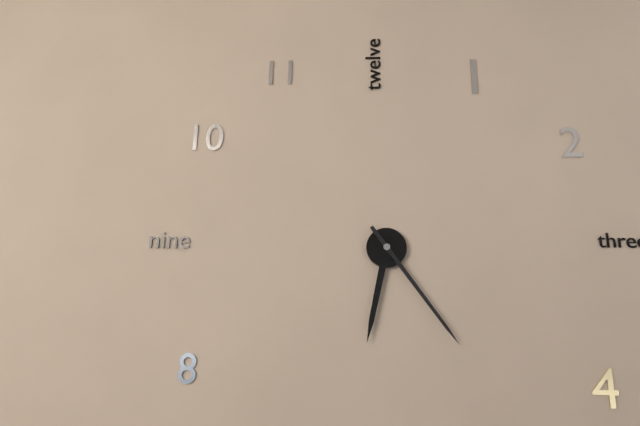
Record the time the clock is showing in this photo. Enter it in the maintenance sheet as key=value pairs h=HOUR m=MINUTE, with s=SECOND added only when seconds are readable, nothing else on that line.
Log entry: h=6 m=24
